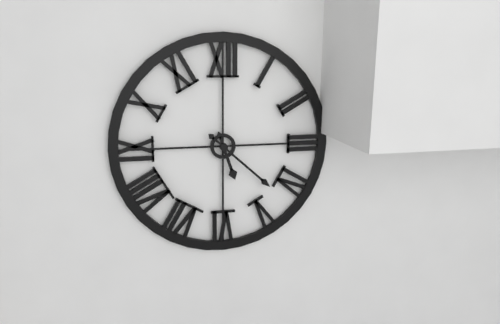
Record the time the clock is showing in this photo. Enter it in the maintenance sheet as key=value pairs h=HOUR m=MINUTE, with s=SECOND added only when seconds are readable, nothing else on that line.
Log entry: h=5 m=22
